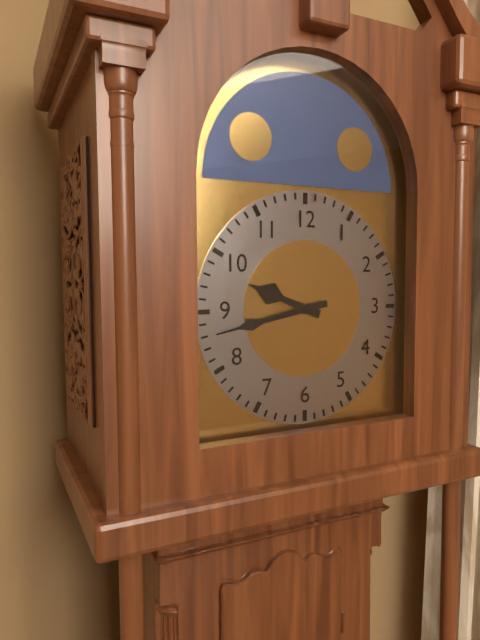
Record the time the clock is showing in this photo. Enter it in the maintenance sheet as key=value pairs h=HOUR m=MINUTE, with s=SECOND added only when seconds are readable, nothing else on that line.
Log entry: h=9 m=43
